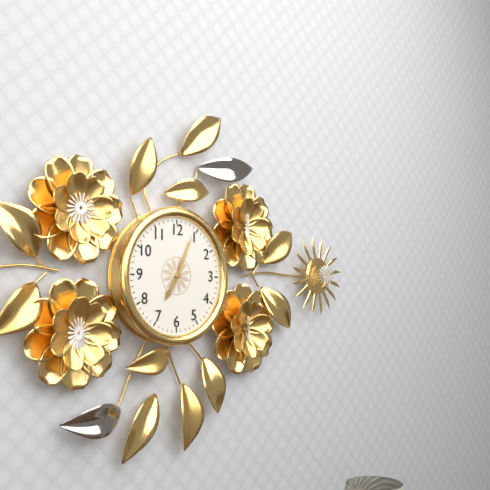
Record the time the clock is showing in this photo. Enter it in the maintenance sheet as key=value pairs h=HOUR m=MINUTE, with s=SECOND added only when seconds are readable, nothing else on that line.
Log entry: h=7 m=4
